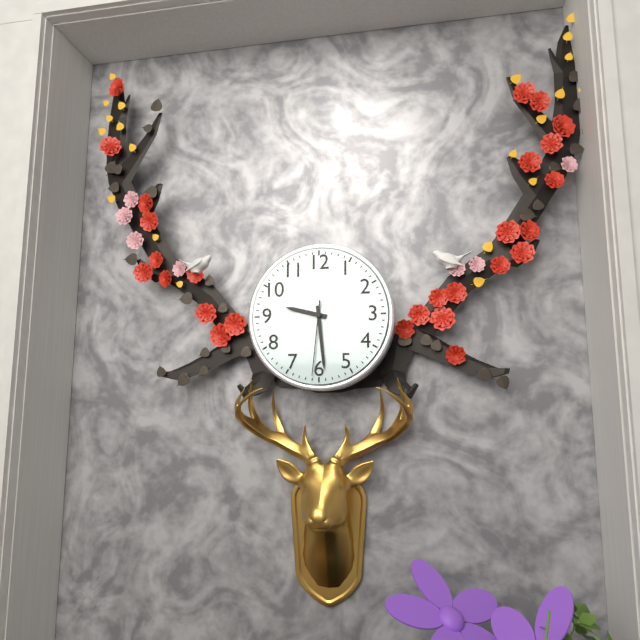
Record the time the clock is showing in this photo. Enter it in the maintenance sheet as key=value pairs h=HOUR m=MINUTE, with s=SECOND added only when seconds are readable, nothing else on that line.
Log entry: h=9 m=29 s=31
